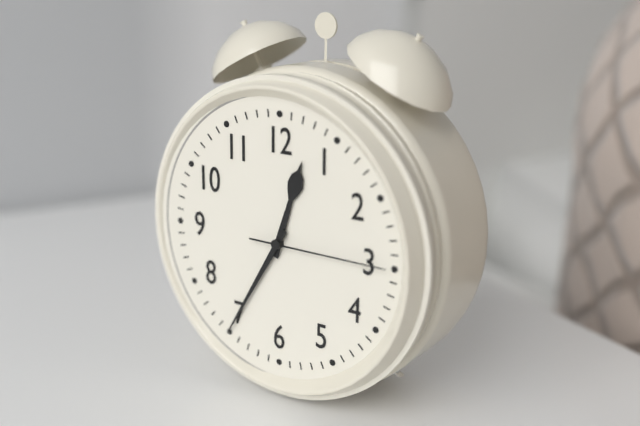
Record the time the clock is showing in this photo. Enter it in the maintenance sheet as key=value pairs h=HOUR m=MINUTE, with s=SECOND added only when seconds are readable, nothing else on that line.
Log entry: h=12 m=35 s=15
